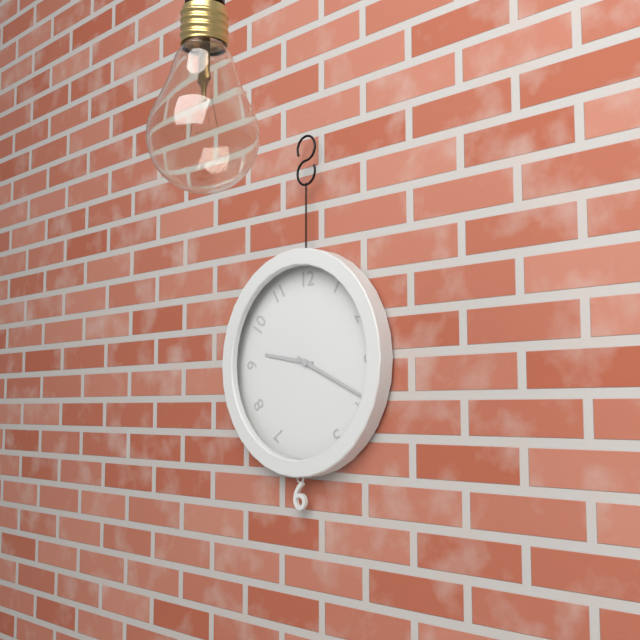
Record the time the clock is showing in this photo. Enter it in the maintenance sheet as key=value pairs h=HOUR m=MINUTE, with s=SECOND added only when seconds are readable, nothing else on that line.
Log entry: h=9 m=19
